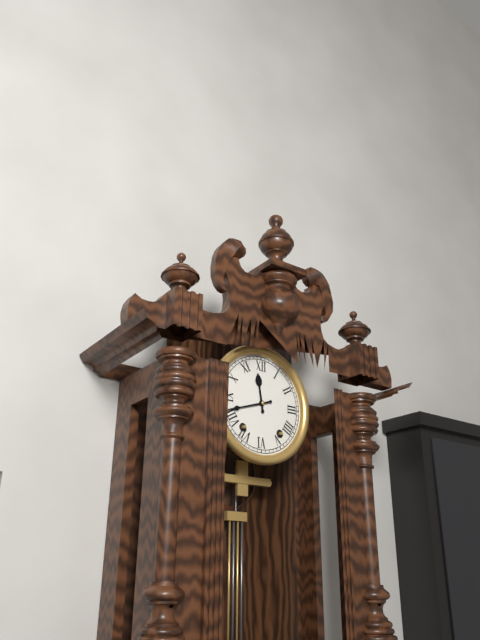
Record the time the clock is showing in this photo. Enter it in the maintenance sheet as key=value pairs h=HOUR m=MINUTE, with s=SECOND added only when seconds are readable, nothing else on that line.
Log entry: h=11 m=42
